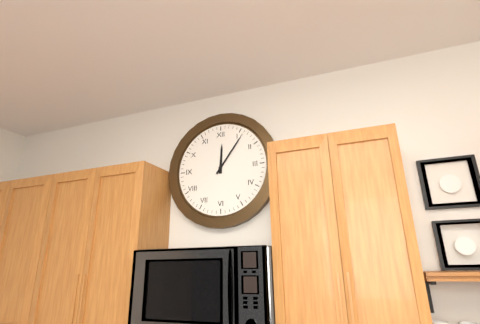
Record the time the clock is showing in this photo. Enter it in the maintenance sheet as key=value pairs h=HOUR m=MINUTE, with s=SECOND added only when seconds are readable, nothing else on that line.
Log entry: h=12 m=6
